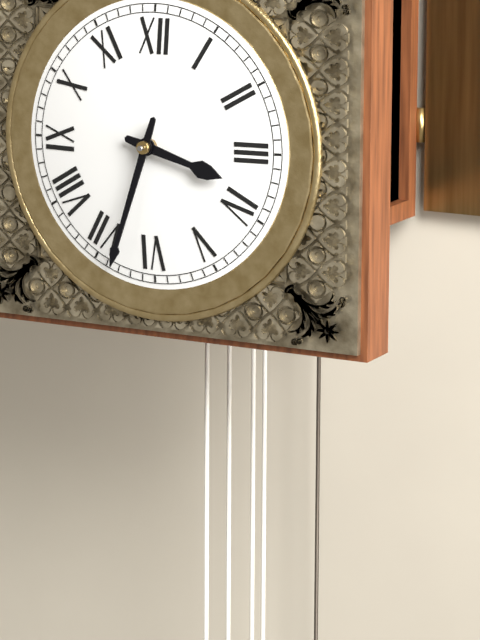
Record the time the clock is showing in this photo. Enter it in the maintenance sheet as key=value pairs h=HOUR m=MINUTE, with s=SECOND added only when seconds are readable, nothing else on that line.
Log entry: h=3 m=33
